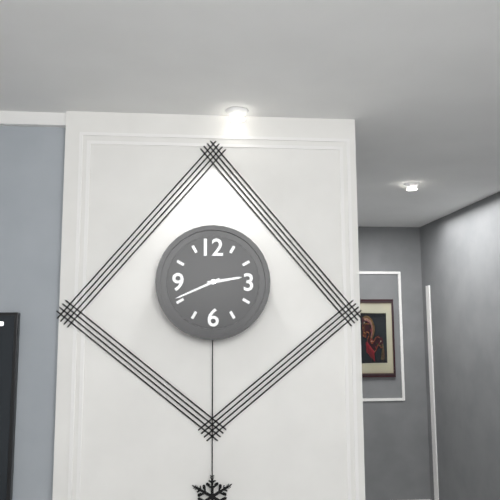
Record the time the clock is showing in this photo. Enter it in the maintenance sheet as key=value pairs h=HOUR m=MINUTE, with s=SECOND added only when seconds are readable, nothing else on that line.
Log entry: h=2 m=41
